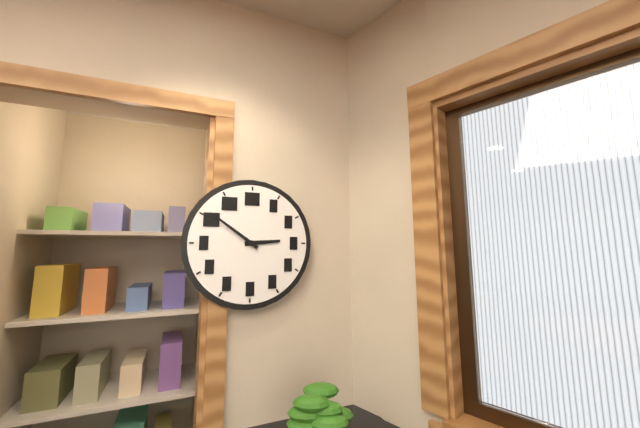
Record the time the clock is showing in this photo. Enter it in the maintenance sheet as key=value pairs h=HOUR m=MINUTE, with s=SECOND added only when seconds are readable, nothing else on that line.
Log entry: h=2 m=51
